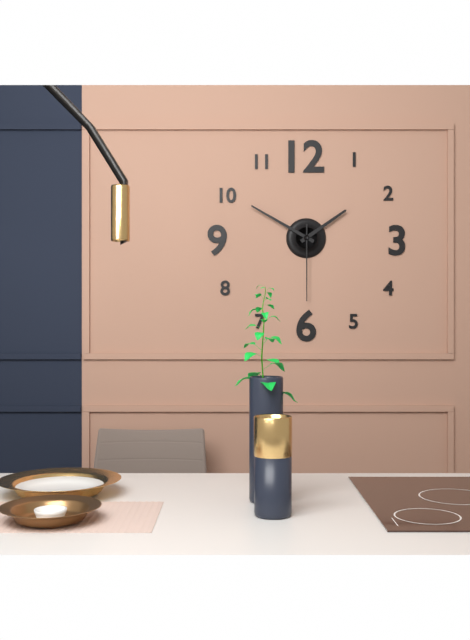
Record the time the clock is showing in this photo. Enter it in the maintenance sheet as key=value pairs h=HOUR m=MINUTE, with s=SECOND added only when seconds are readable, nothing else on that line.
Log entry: h=1 m=50 s=30
